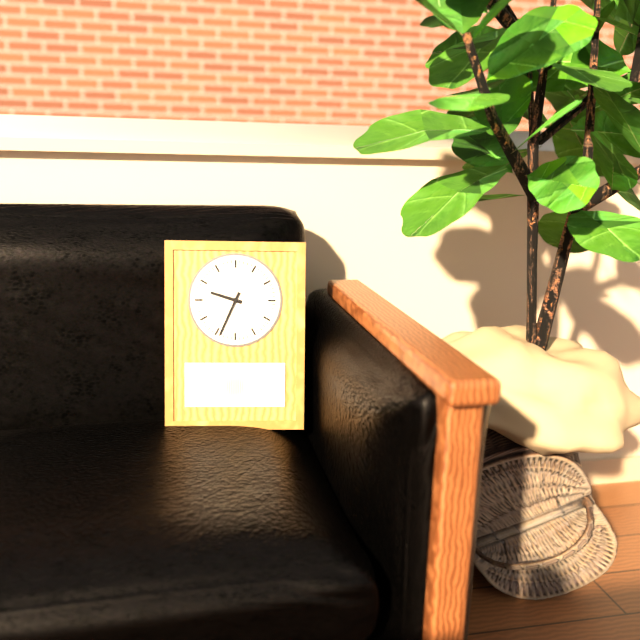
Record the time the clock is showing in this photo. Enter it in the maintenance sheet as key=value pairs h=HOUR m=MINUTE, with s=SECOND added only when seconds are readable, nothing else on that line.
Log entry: h=9 m=34
